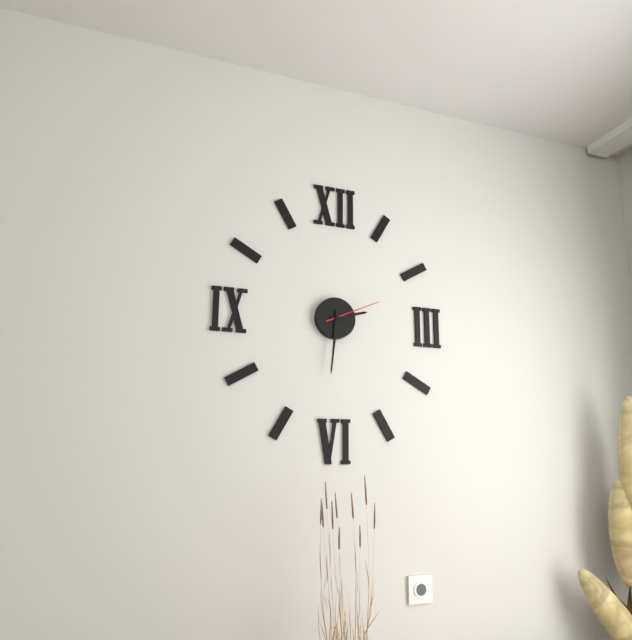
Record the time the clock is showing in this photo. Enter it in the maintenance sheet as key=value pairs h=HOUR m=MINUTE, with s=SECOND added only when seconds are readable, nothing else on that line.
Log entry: h=2 m=31 s=11
